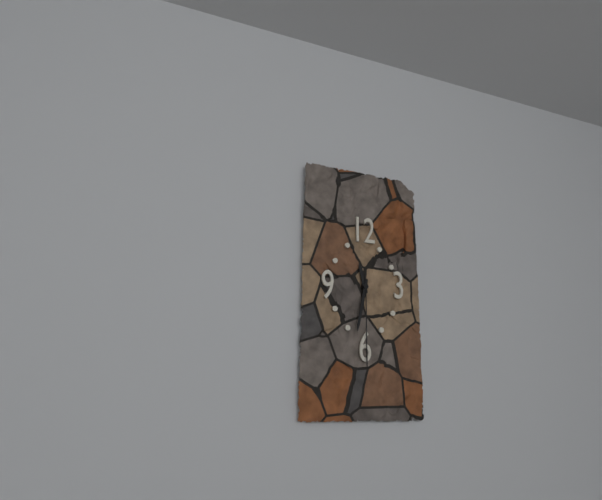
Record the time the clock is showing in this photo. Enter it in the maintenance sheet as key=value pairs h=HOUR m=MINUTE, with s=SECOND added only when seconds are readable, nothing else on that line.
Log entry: h=11 m=32 s=30
